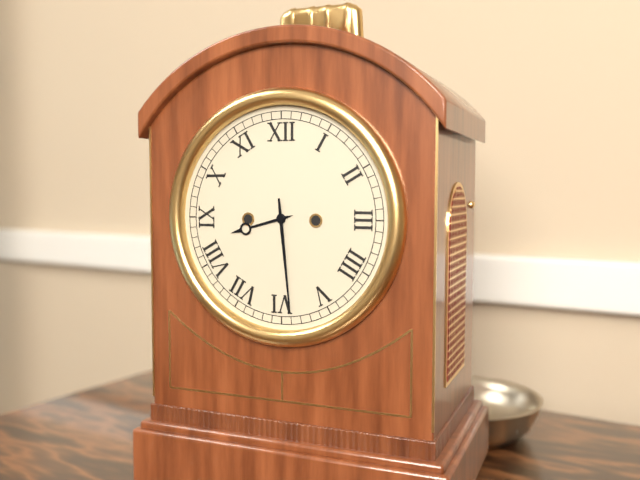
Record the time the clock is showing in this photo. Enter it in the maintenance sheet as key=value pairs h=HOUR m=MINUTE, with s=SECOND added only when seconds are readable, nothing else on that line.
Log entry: h=8 m=29
